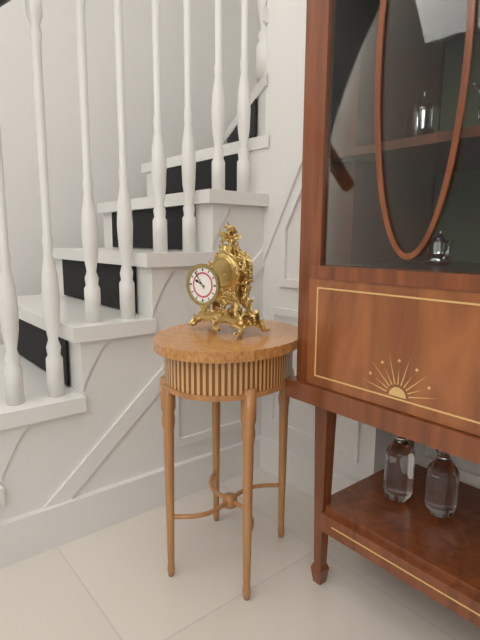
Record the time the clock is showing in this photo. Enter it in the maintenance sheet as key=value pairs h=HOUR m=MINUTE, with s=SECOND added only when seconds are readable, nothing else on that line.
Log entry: h=9 m=54
